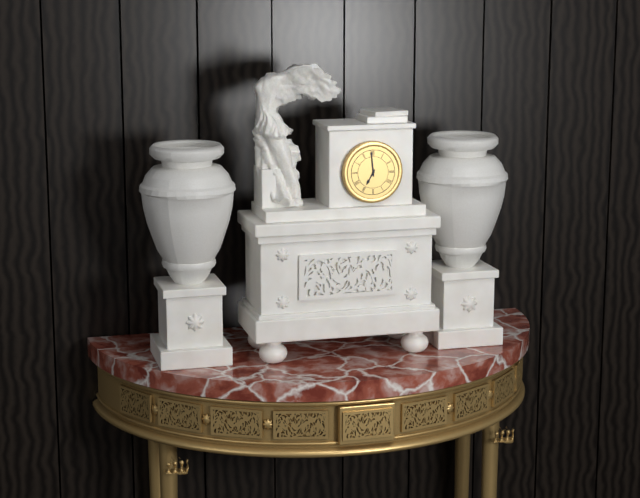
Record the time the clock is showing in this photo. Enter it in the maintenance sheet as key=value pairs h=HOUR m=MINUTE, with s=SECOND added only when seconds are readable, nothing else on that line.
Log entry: h=6 m=59
